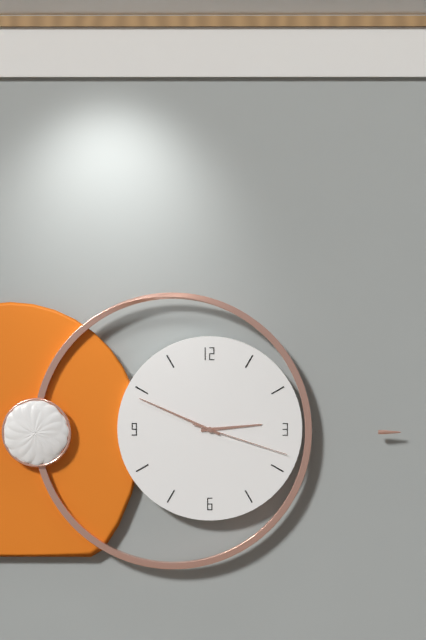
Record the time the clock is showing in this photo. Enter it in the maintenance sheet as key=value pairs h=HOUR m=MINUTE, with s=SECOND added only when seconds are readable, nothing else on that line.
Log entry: h=2 m=49 s=18
